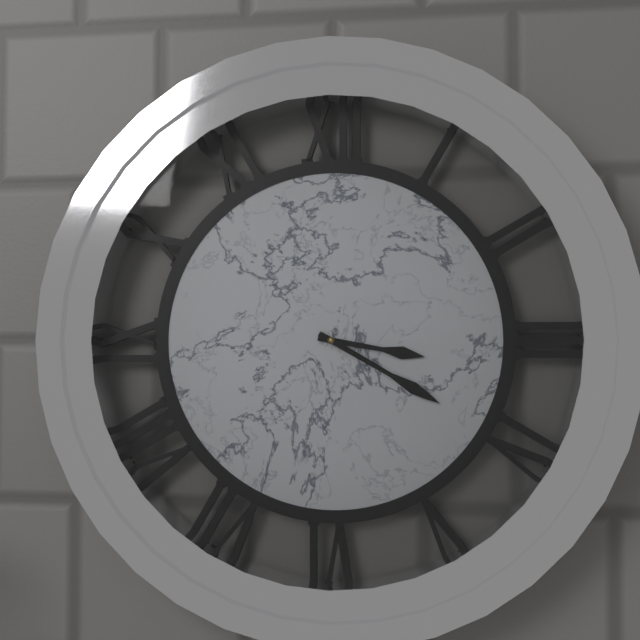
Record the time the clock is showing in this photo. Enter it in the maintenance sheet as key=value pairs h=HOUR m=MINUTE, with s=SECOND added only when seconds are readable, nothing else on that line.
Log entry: h=3 m=20
